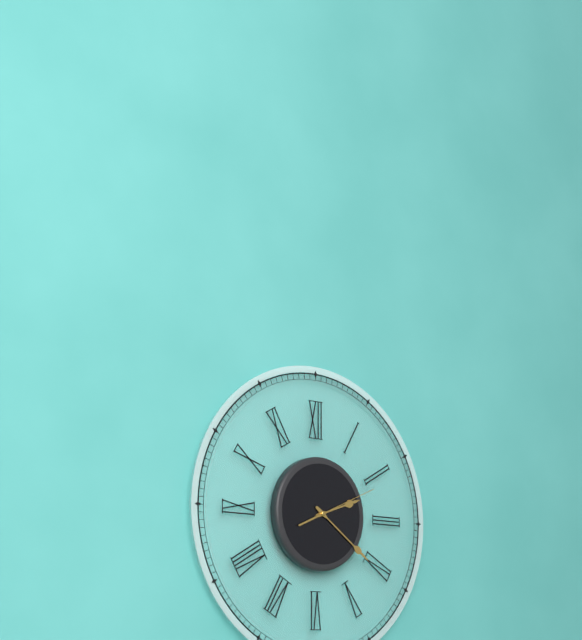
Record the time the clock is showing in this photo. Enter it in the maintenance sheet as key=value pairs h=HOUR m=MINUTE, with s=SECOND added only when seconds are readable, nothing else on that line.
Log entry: h=2 m=21 s=11
